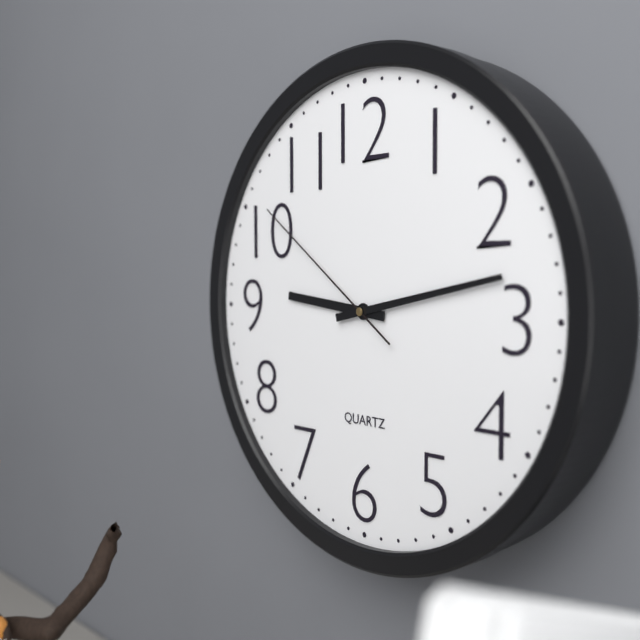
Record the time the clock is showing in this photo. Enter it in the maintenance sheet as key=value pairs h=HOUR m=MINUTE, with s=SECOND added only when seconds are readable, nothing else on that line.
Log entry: h=9 m=13 s=51
